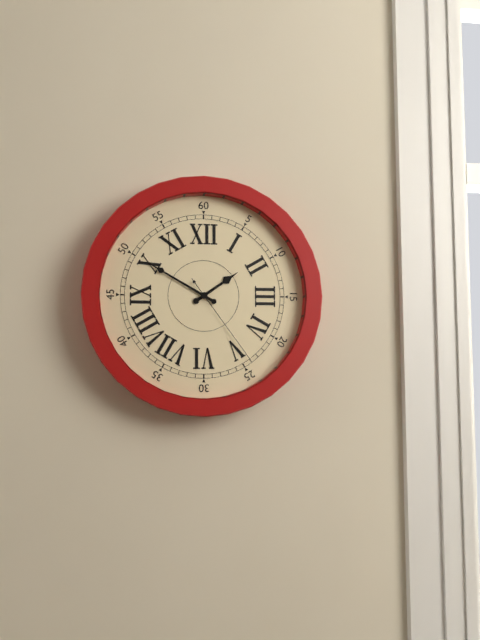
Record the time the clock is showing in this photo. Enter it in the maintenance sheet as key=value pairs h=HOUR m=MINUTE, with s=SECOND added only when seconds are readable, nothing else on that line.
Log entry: h=1 m=50 s=24
